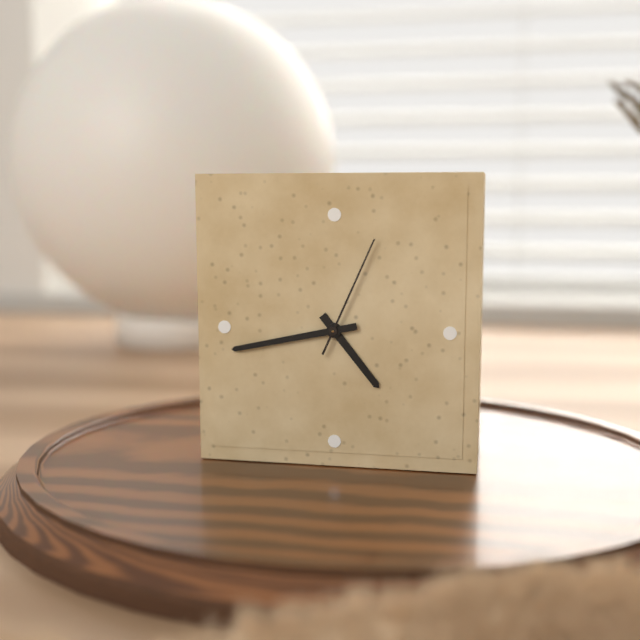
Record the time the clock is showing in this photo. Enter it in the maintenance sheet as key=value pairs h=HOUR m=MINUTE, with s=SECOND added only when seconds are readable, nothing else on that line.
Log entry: h=4 m=43 s=4
